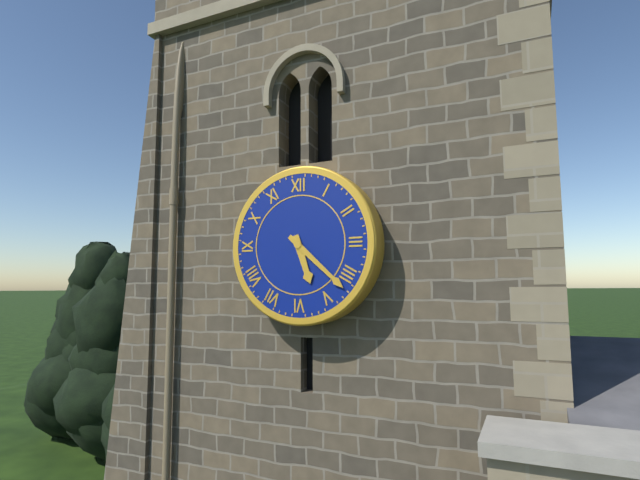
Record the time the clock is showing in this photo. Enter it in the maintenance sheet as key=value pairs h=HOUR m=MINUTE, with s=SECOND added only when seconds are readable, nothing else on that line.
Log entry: h=5 m=22
